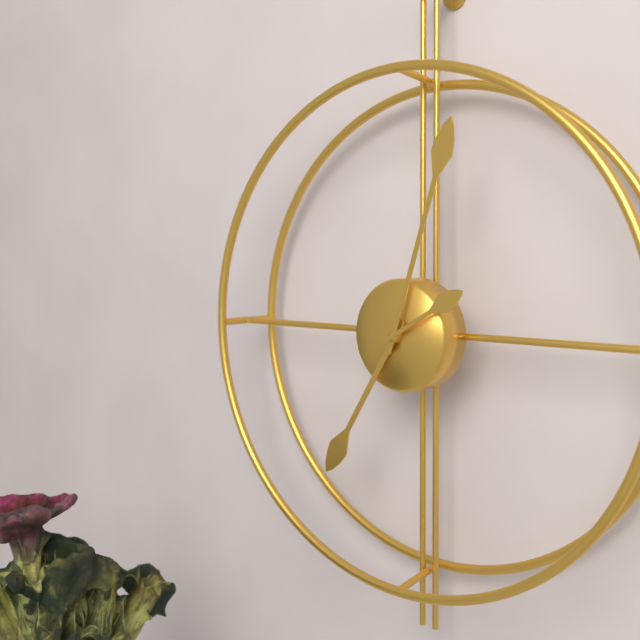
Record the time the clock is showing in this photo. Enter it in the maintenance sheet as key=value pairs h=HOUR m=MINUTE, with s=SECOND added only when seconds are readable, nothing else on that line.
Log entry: h=7 m=3 s=10
